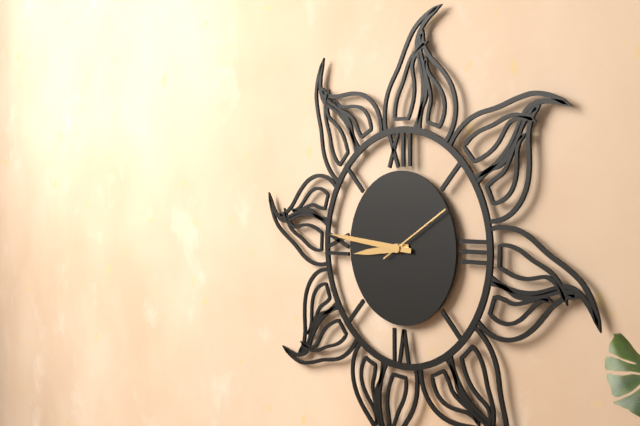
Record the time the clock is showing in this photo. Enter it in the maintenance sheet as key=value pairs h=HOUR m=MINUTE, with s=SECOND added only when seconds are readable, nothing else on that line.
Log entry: h=8 m=46 s=10
